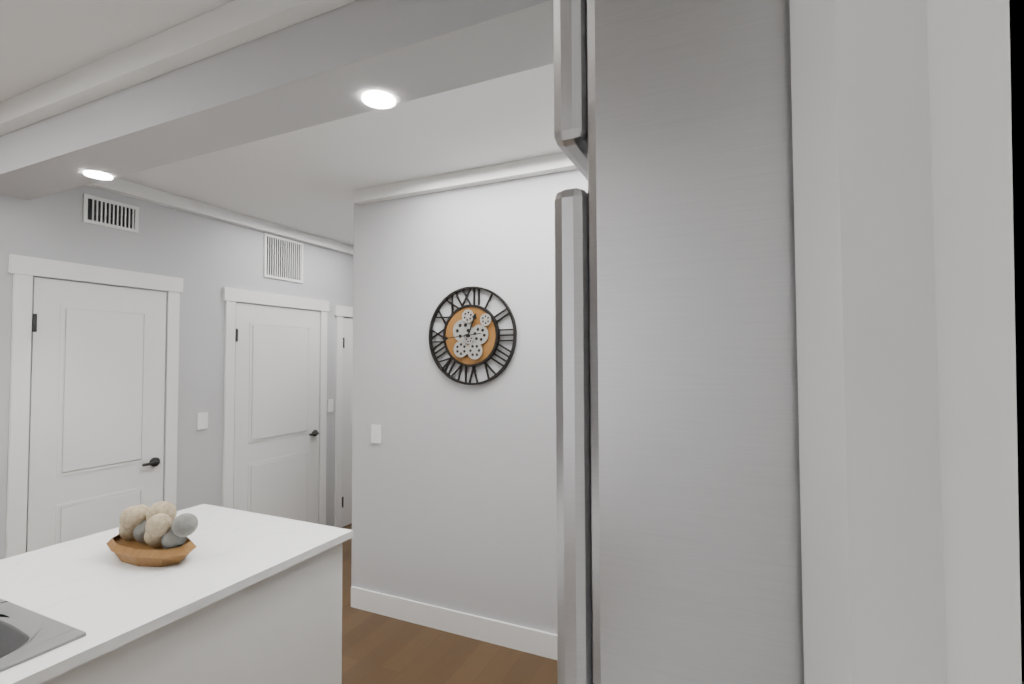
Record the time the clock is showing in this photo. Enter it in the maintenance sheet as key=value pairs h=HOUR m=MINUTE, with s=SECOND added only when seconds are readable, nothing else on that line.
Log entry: h=12 m=44
